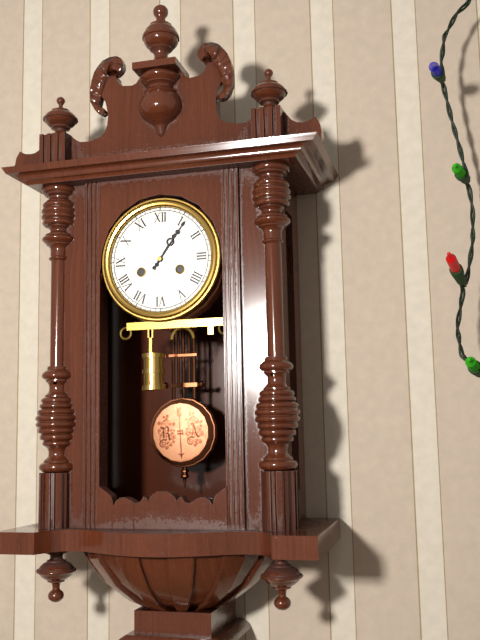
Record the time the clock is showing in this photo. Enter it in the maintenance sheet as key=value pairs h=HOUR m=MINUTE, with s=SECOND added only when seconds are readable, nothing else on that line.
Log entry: h=1 m=6
